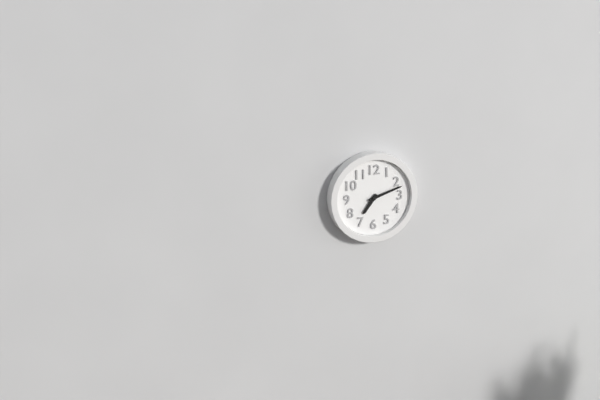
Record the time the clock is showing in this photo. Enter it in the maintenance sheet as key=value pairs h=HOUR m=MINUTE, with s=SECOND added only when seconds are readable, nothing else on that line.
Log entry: h=7 m=12
